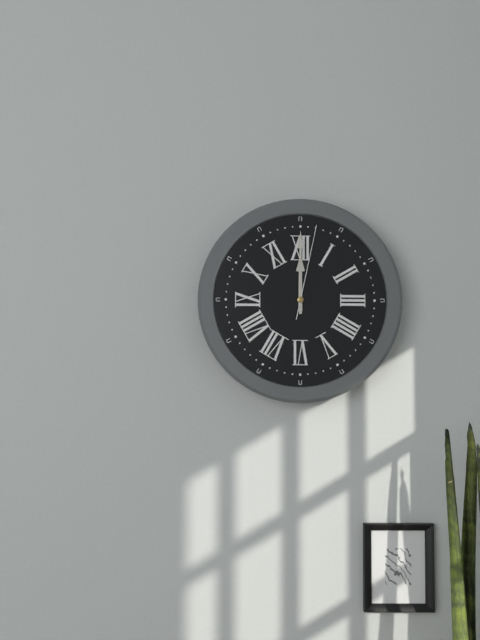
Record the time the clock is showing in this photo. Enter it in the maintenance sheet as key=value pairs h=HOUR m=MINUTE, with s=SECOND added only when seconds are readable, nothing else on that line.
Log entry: h=12 m=0 s=2
